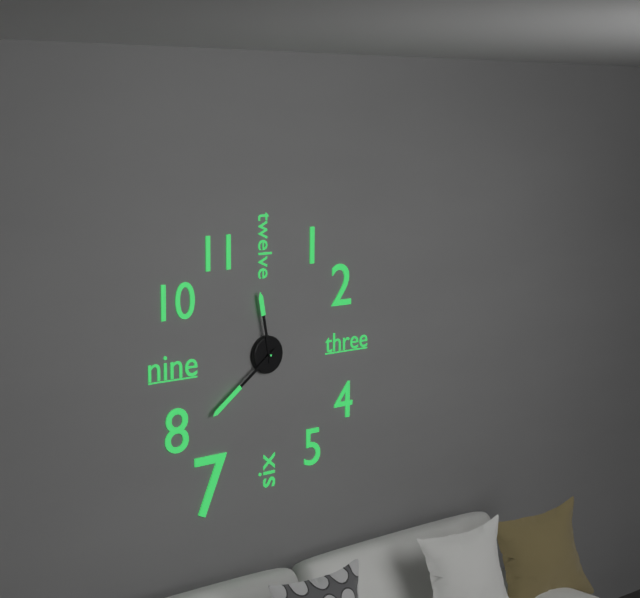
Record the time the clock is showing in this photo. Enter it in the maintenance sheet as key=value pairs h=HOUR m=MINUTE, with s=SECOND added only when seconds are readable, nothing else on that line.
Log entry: h=11 m=39
